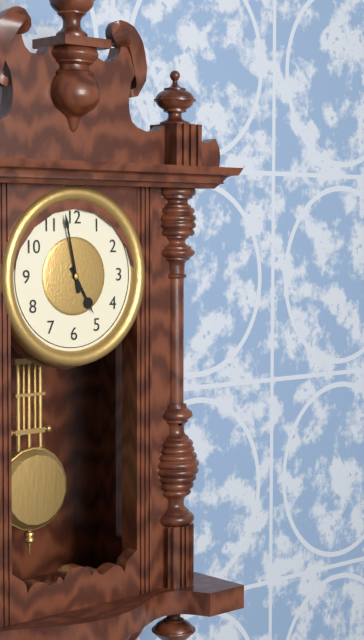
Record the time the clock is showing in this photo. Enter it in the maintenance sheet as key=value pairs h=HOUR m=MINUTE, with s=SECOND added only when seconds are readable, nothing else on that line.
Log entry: h=4 m=58
